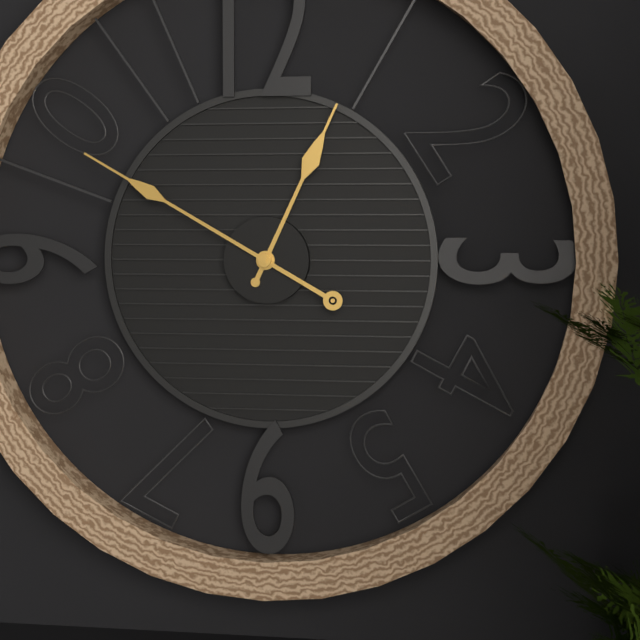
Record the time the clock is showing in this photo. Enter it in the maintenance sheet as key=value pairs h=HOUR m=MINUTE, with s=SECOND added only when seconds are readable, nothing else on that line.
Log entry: h=12 m=50
